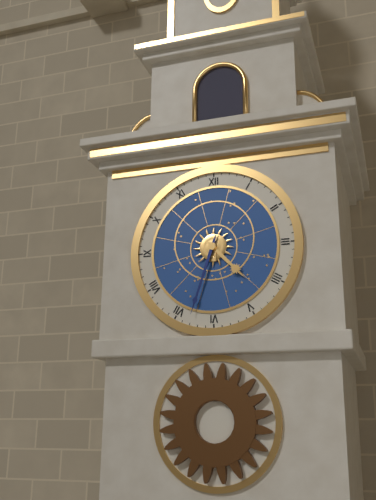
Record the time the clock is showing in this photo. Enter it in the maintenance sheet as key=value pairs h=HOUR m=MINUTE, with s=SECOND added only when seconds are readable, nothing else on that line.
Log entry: h=4 m=33
